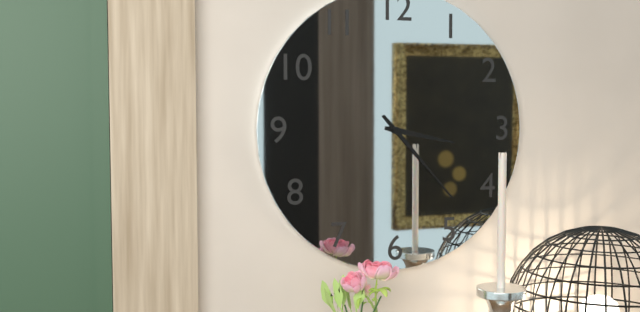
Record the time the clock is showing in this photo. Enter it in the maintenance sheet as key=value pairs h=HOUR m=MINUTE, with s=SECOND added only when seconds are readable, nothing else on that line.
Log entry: h=3 m=23
